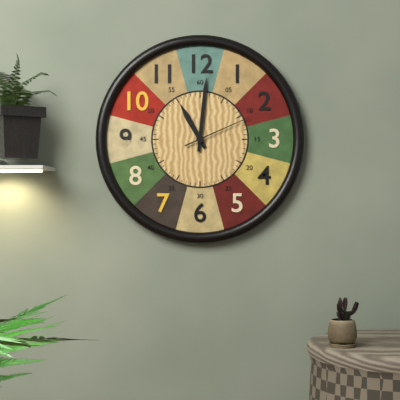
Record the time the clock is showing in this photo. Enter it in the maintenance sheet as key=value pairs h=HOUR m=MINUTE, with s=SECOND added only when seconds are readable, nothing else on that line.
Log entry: h=11 m=1 s=11
